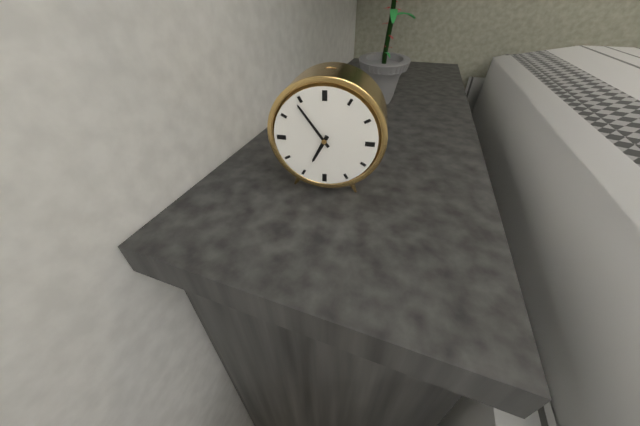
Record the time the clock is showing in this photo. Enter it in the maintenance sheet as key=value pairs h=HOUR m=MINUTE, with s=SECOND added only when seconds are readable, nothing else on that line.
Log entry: h=6 m=54
